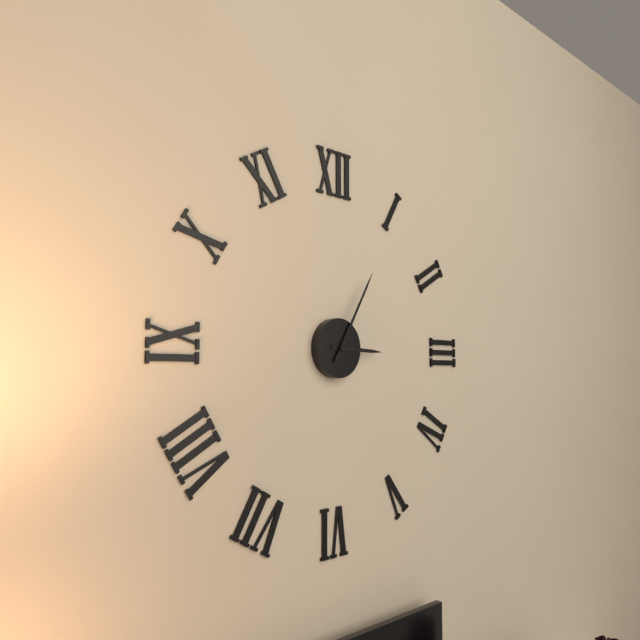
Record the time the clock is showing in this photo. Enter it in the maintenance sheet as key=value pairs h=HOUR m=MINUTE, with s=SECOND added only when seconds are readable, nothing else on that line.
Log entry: h=3 m=5
